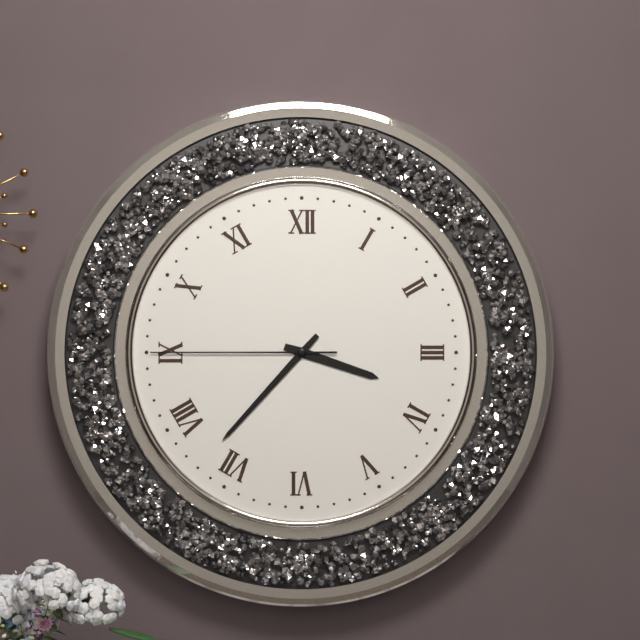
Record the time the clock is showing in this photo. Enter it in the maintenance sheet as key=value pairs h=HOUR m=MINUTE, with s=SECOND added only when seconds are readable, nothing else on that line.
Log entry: h=3 m=37 s=45
